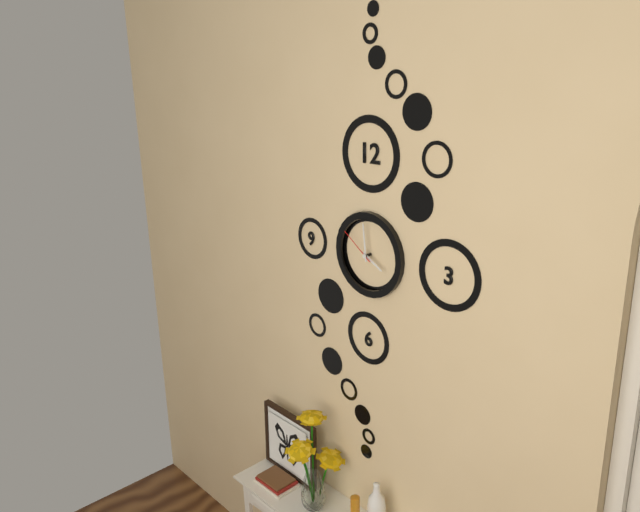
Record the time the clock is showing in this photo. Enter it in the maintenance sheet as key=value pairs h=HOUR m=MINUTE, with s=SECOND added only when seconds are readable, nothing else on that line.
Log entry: h=3 m=59
